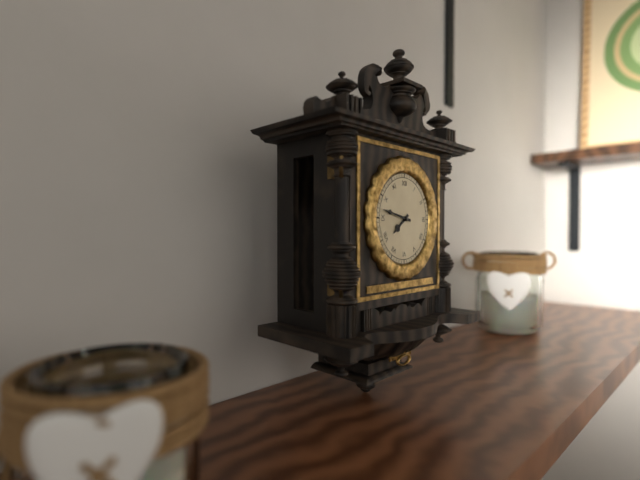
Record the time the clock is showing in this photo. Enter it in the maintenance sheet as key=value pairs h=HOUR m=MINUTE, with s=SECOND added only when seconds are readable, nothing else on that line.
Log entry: h=7 m=47
